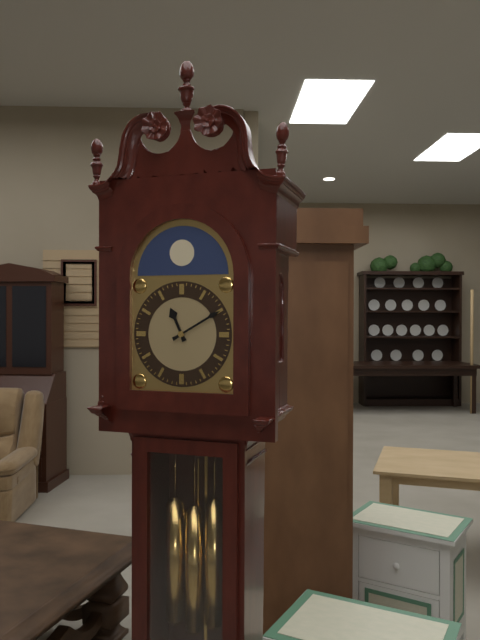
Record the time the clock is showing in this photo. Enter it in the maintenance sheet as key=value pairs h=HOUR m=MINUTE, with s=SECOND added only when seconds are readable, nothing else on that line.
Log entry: h=11 m=10
